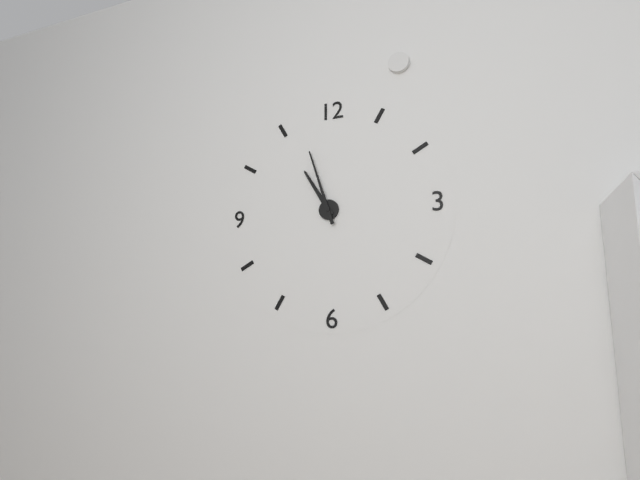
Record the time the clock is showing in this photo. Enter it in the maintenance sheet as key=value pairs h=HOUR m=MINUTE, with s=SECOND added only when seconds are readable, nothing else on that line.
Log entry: h=10 m=57
